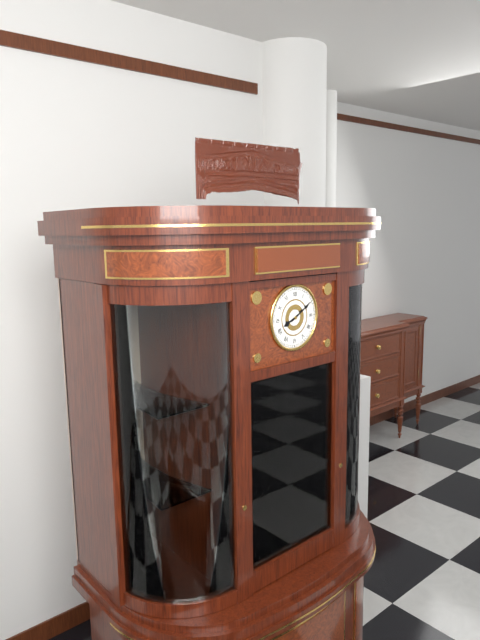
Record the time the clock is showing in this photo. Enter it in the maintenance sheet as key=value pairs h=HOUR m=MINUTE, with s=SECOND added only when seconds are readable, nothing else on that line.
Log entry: h=8 m=10
